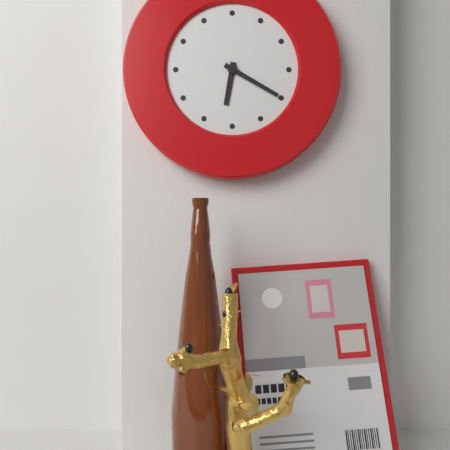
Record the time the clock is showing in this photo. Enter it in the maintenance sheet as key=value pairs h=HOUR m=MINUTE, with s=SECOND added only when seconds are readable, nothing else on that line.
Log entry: h=6 m=20
